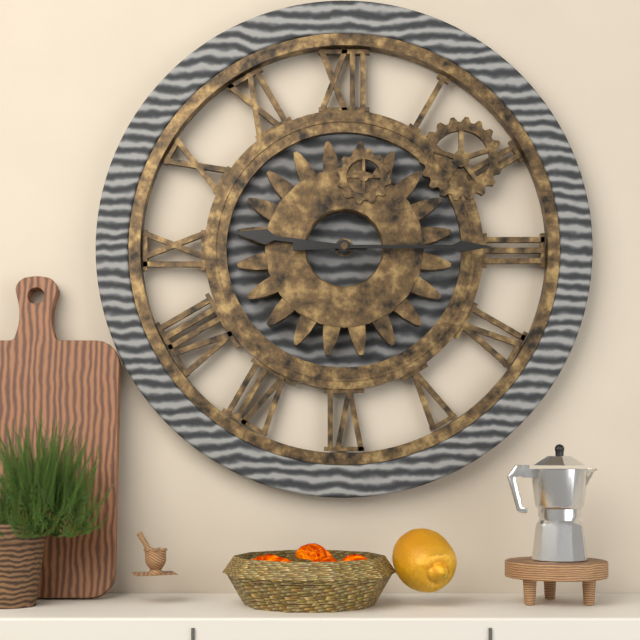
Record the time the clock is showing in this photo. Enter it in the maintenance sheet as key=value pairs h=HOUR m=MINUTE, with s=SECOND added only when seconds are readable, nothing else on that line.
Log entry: h=9 m=15
